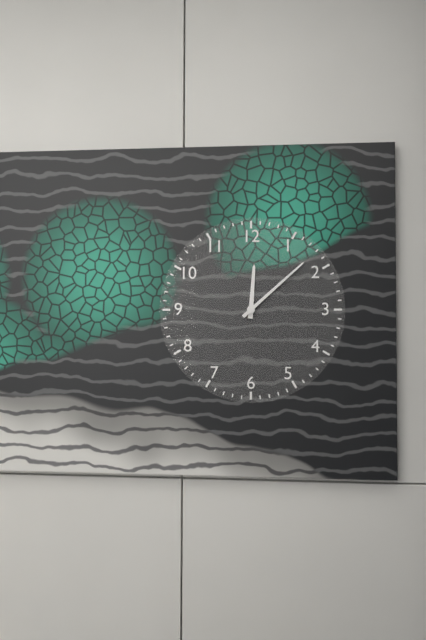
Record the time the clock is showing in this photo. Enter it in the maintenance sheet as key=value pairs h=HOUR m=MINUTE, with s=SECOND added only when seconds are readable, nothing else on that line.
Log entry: h=12 m=8
